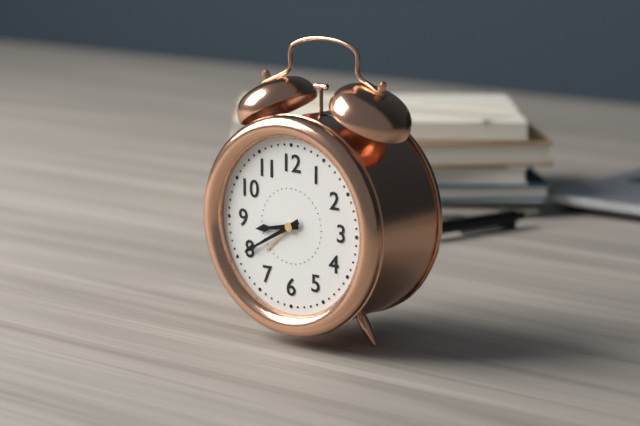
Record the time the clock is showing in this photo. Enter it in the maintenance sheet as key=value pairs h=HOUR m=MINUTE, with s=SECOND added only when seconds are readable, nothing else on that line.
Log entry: h=8 m=40
